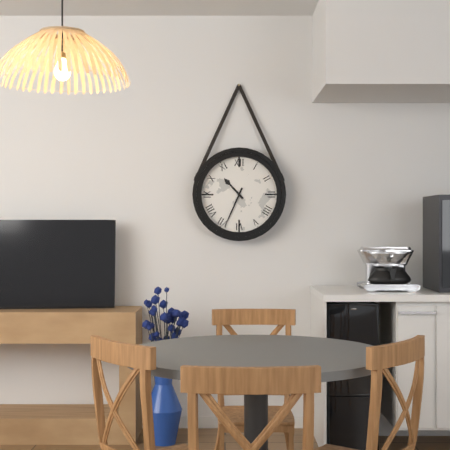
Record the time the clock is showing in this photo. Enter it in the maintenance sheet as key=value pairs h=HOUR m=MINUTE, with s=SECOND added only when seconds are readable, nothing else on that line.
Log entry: h=10 m=34
